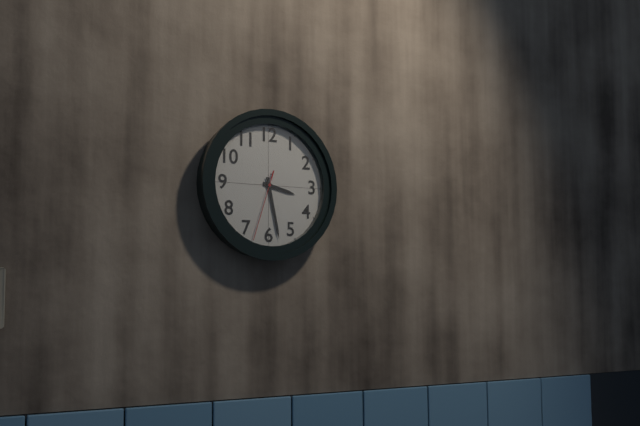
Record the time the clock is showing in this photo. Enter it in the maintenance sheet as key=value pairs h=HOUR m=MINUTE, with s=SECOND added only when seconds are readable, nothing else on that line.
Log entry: h=3 m=28 s=33
